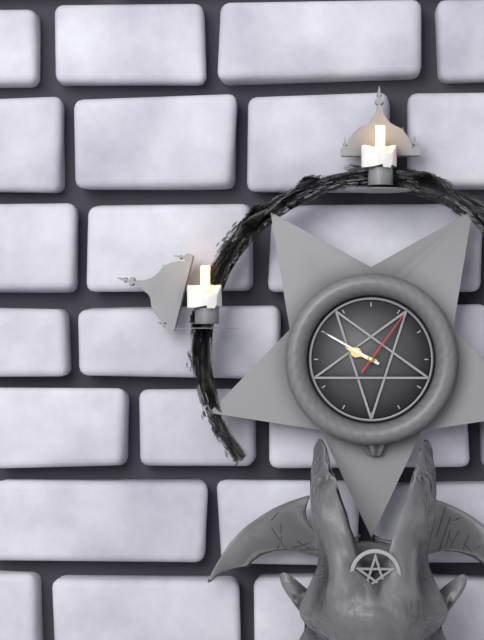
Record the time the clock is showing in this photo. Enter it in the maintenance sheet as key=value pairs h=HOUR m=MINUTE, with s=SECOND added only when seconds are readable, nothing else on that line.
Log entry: h=9 m=50 s=6
